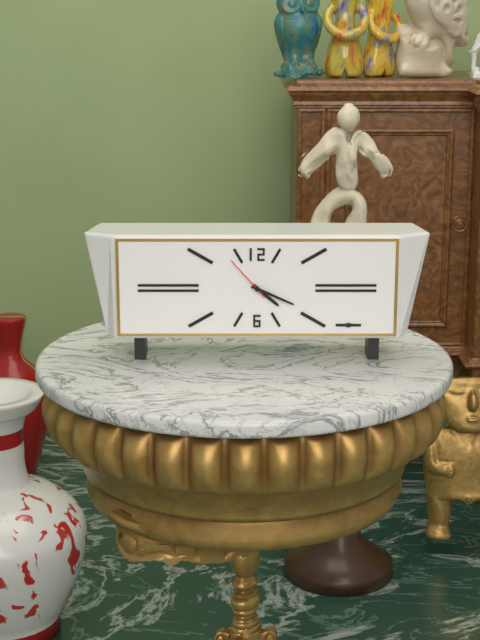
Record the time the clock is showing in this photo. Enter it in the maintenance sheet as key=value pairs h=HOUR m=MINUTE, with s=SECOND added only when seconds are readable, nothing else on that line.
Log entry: h=4 m=19
